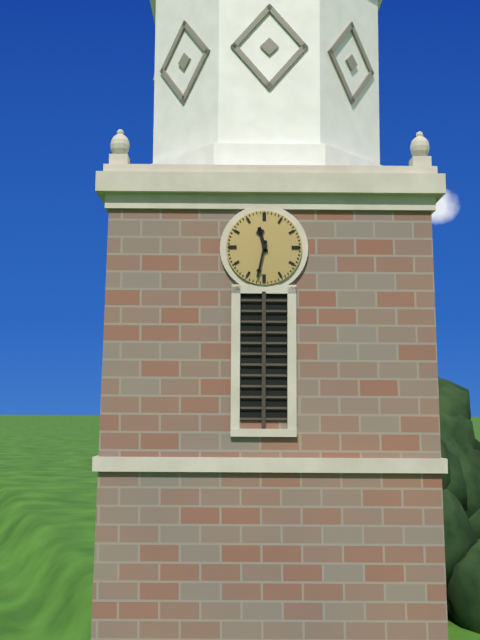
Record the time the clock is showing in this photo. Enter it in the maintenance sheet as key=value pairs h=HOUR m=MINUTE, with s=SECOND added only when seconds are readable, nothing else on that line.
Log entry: h=11 m=32
